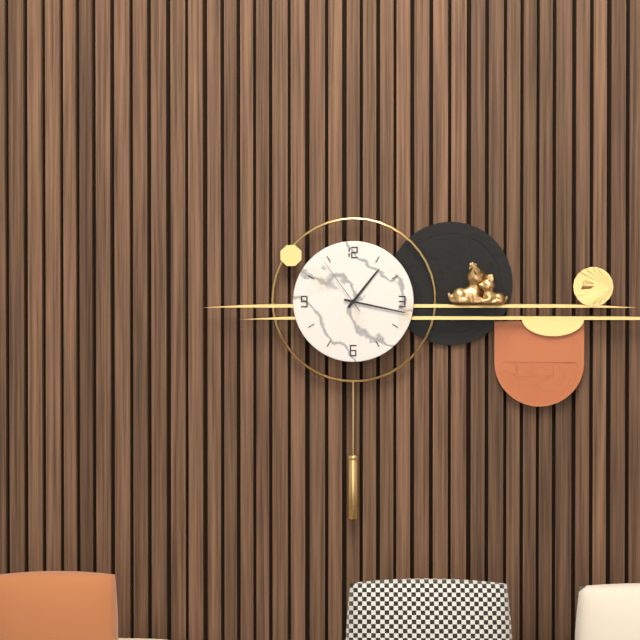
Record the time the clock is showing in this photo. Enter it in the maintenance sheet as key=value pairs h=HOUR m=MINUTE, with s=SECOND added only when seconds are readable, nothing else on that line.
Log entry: h=1 m=17 s=54
